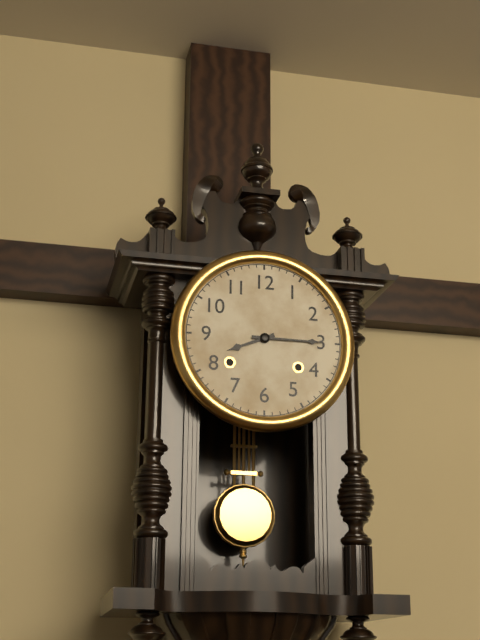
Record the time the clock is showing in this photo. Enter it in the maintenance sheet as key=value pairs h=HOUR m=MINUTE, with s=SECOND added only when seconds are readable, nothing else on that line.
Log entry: h=8 m=15
